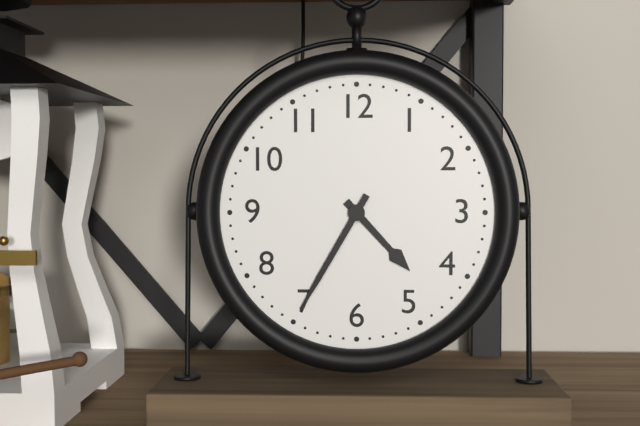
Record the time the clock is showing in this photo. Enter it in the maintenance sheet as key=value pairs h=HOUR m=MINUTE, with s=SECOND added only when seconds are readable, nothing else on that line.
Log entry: h=4 m=35
